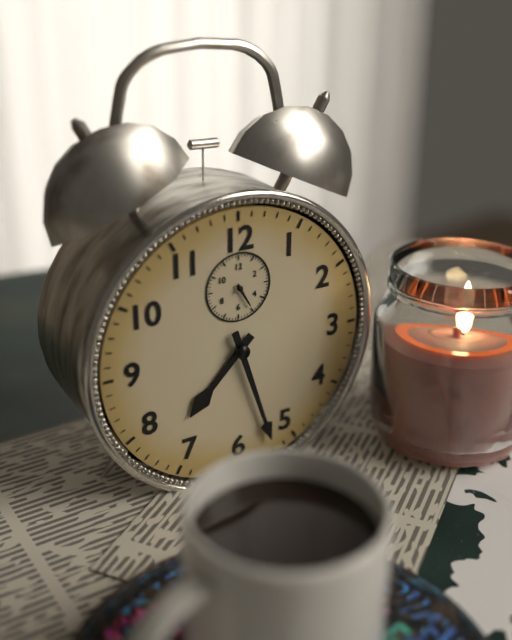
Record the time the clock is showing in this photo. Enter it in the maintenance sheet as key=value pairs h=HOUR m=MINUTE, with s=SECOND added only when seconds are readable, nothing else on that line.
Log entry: h=7 m=27
